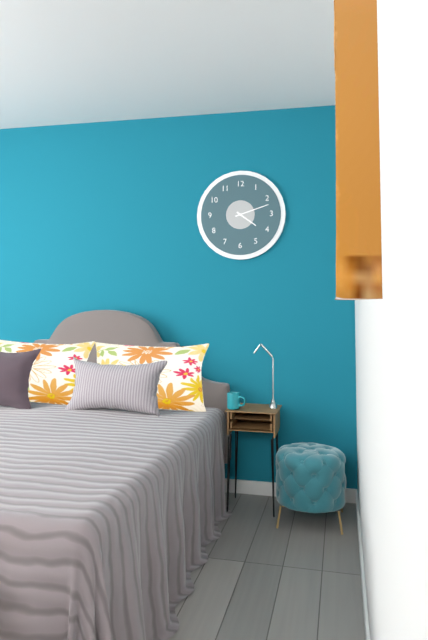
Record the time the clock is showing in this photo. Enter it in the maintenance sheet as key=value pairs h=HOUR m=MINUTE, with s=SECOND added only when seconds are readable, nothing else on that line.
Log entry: h=4 m=12
